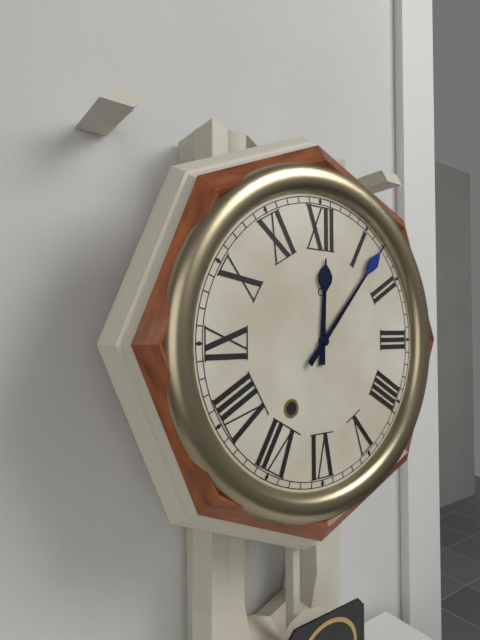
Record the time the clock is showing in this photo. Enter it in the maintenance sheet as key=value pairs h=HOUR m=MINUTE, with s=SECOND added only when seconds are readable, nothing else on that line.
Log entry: h=12 m=7
